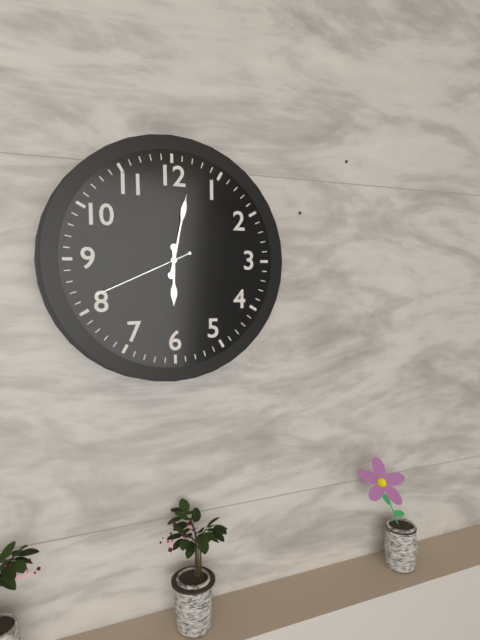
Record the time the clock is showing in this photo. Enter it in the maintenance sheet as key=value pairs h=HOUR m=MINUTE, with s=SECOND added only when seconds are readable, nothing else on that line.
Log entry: h=6 m=2 s=41
